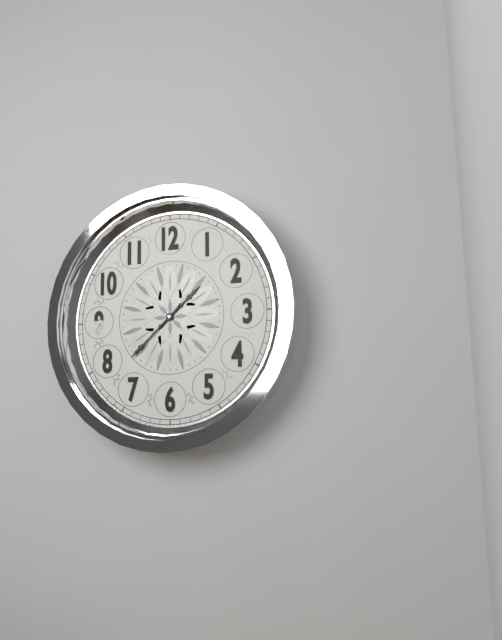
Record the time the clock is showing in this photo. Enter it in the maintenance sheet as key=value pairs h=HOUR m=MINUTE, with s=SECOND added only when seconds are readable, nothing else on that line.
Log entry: h=1 m=38
